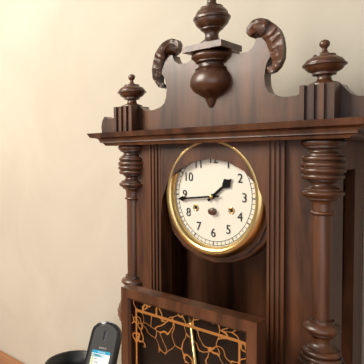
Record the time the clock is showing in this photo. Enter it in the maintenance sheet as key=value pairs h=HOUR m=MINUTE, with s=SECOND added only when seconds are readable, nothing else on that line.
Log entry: h=1 m=44
